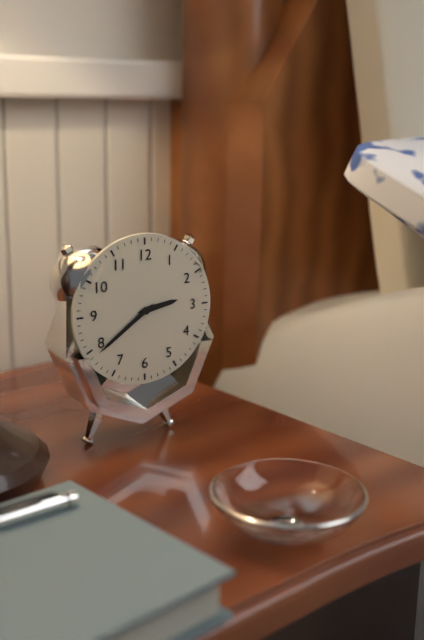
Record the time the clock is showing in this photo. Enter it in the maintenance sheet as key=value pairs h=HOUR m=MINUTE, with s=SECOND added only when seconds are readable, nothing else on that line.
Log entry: h=2 m=39
